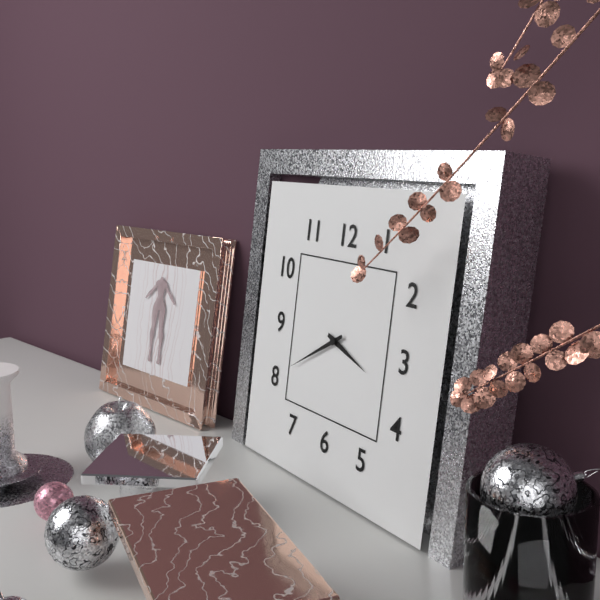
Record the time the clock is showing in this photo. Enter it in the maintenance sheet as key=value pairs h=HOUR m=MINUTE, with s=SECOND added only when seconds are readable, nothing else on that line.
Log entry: h=3 m=40
